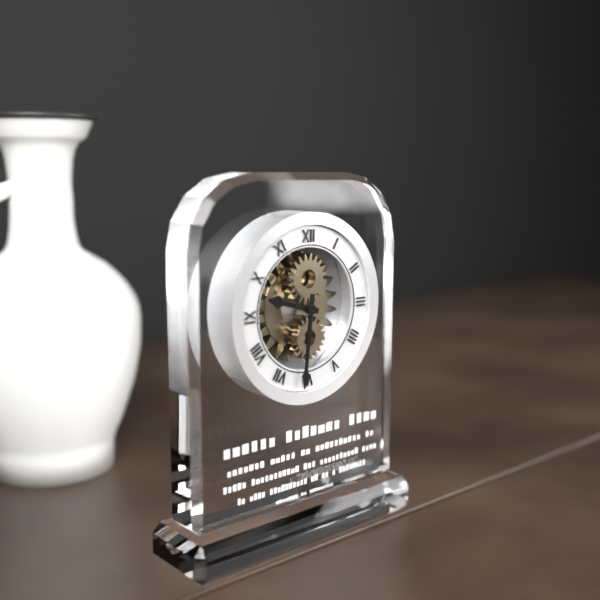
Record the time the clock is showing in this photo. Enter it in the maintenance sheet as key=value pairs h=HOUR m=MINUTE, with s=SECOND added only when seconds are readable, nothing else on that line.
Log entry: h=9 m=31
